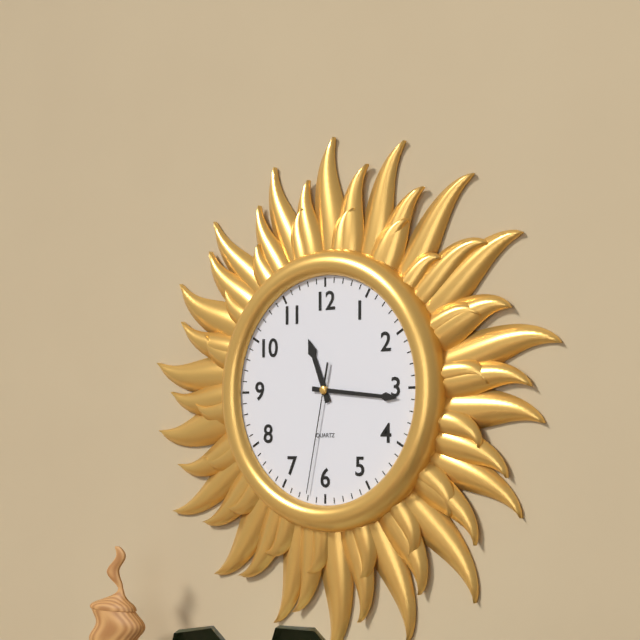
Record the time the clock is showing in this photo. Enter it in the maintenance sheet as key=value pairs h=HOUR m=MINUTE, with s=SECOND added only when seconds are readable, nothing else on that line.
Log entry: h=11 m=16 s=32
